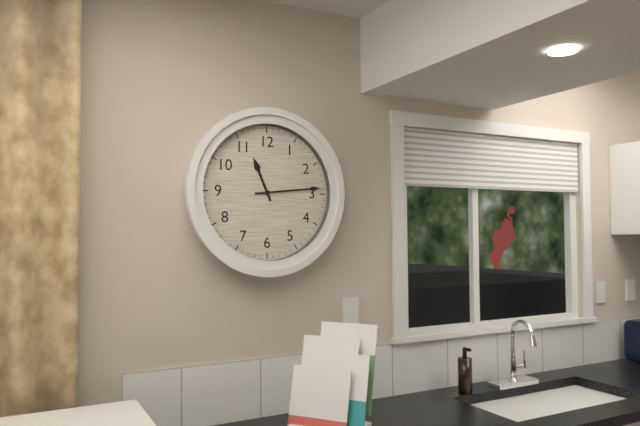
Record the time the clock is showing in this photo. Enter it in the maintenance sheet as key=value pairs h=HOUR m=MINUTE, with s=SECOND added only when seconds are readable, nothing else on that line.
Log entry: h=11 m=14
